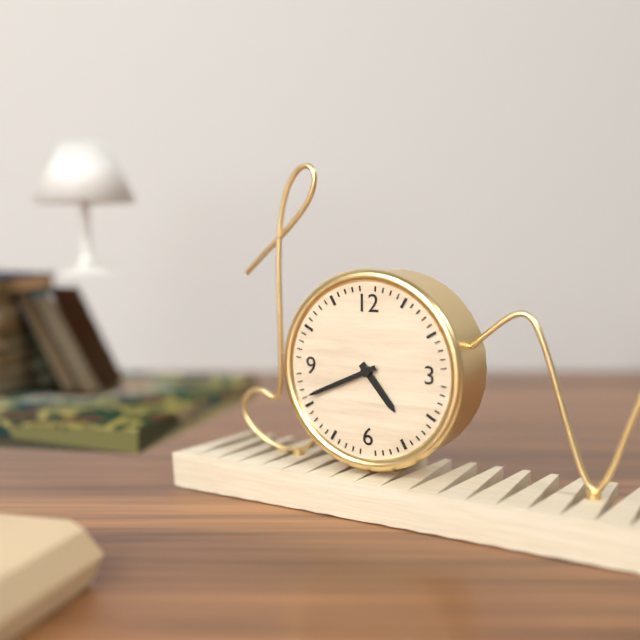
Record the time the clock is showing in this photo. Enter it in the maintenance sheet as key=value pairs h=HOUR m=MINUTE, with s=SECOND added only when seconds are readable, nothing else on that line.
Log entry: h=4 m=41
